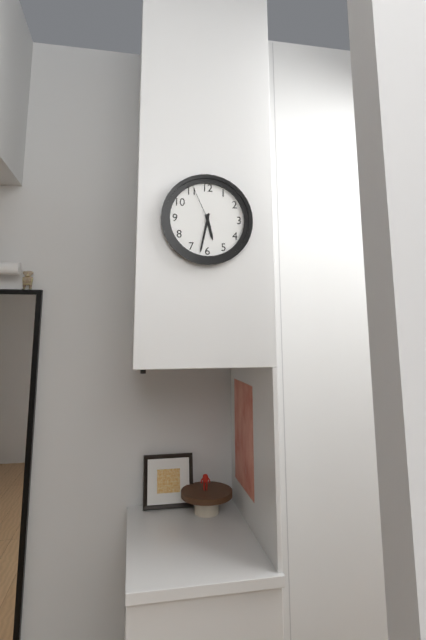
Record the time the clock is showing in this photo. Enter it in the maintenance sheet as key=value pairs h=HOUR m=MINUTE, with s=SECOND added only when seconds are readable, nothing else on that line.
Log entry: h=5 m=32
